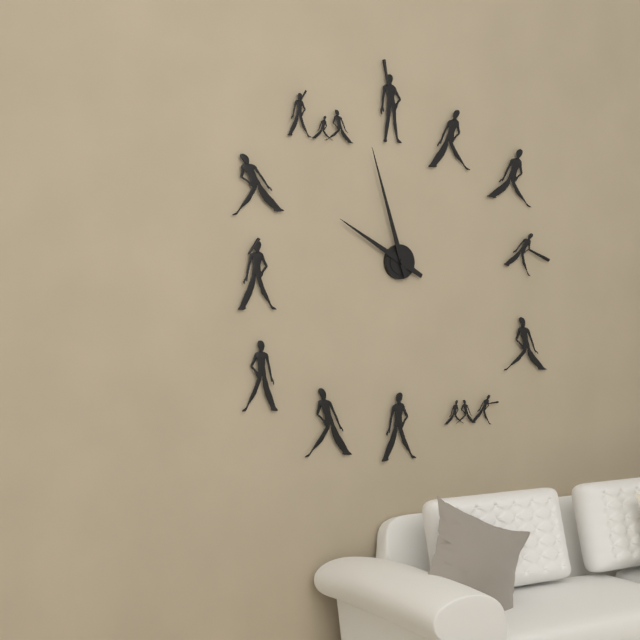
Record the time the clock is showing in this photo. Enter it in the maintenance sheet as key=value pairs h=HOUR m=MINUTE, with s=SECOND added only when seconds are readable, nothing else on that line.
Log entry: h=9 m=57
